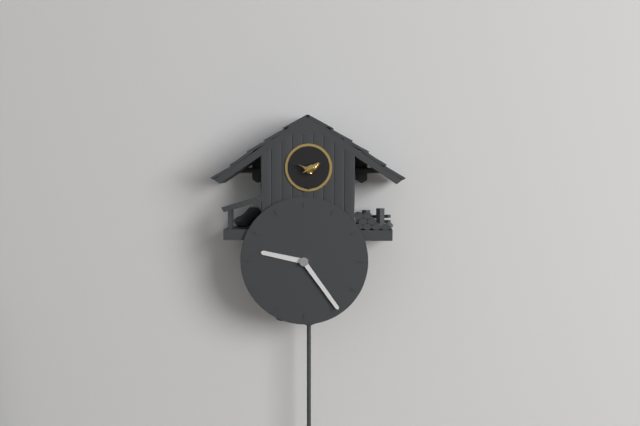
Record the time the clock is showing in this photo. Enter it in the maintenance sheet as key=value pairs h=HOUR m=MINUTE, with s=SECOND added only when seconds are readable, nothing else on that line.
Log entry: h=9 m=24
